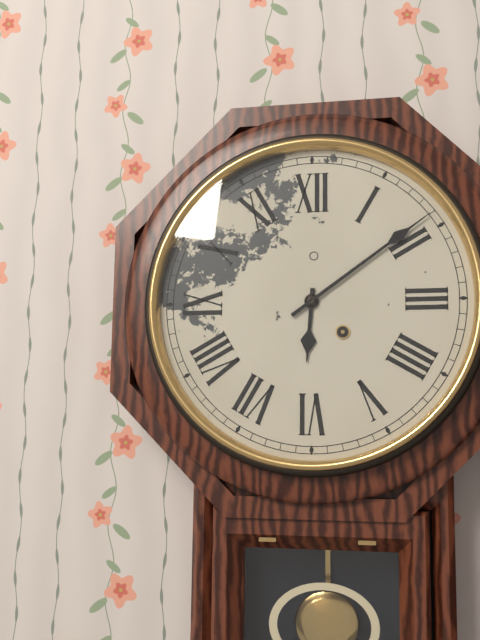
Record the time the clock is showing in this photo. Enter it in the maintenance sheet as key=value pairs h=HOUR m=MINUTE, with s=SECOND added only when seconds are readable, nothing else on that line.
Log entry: h=6 m=9
